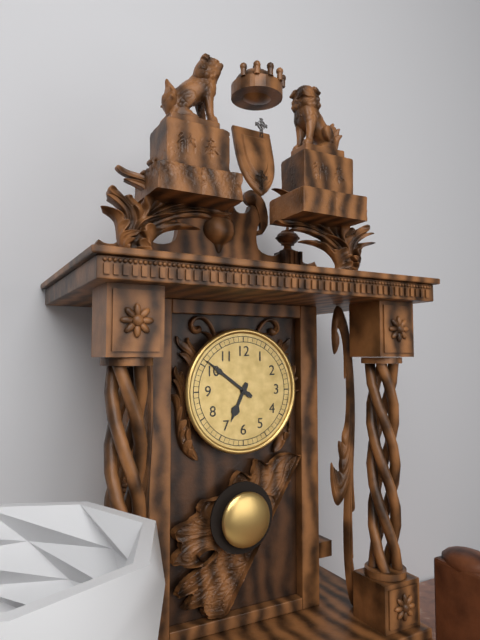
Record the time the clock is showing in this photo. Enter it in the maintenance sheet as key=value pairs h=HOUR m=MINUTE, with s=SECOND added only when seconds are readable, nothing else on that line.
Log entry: h=6 m=51
